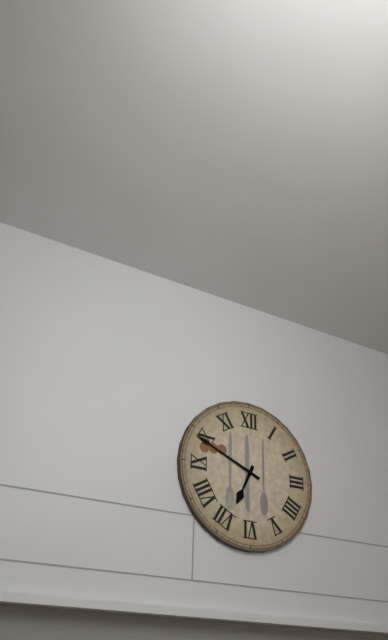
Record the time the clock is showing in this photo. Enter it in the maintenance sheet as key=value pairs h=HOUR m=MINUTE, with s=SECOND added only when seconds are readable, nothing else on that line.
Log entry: h=6 m=49
